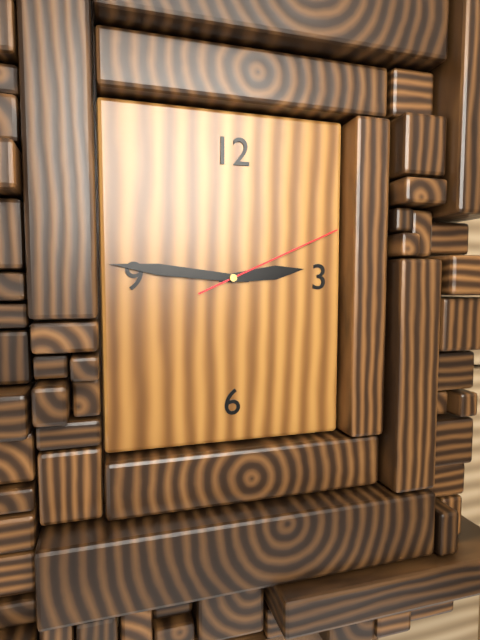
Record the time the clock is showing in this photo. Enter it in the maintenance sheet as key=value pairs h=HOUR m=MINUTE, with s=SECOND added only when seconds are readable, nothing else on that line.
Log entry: h=2 m=46 s=11
